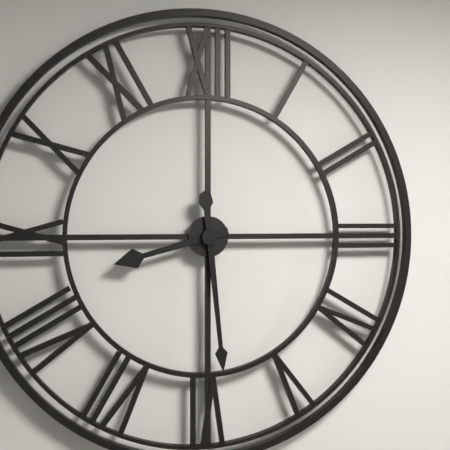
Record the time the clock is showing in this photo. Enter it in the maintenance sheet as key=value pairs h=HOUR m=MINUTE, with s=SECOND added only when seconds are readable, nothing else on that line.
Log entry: h=8 m=29
